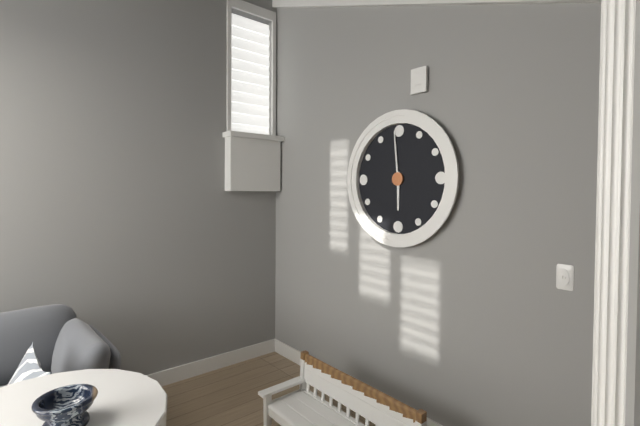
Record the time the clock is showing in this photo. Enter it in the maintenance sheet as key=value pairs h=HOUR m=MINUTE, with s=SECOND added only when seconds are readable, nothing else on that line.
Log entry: h=5 m=59
